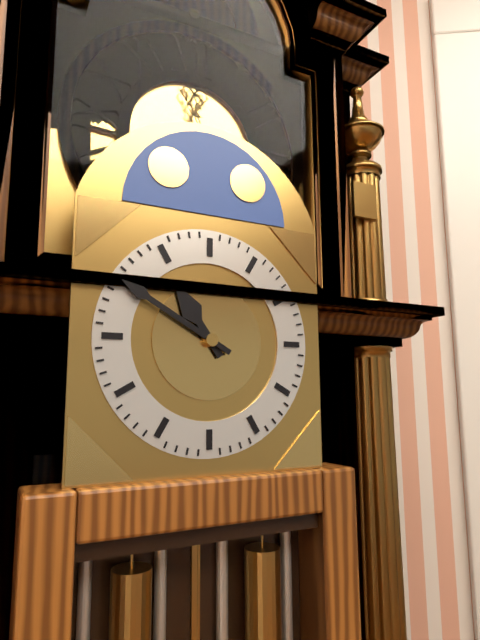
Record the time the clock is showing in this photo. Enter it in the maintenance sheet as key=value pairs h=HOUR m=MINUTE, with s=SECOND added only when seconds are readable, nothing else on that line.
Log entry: h=10 m=50
